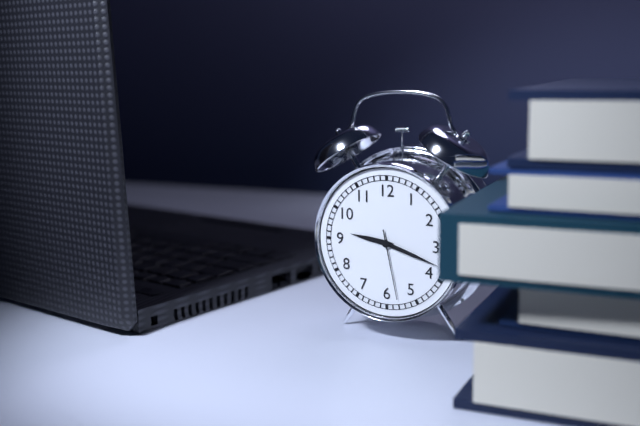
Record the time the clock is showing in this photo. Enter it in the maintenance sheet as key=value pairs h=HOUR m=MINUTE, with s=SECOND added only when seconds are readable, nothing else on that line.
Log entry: h=9 m=18 s=28
